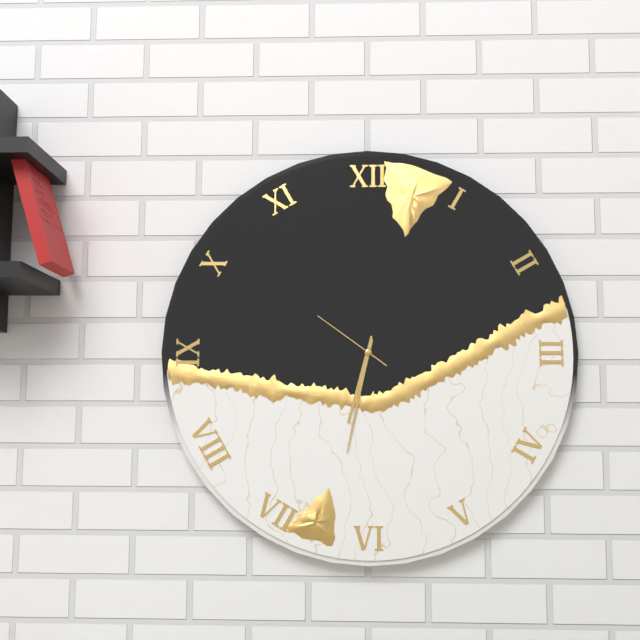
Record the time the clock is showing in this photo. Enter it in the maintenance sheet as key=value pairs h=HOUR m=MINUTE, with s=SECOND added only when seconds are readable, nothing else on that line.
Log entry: h=6 m=32 s=51
